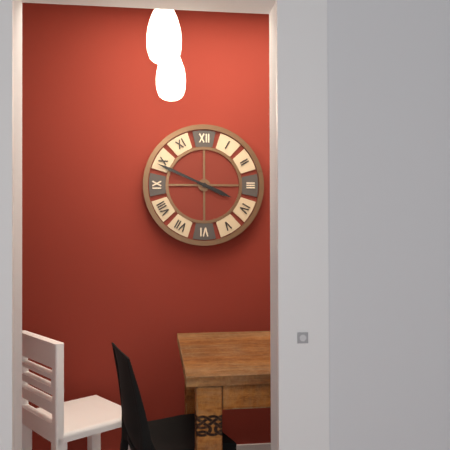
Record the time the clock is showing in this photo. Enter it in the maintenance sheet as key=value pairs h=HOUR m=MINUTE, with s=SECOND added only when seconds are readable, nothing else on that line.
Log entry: h=3 m=49
